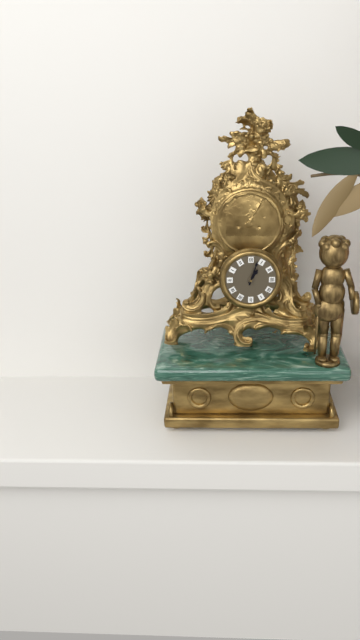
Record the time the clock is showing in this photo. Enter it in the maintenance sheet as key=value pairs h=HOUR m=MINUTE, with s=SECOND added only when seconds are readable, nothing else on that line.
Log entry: h=1 m=3
